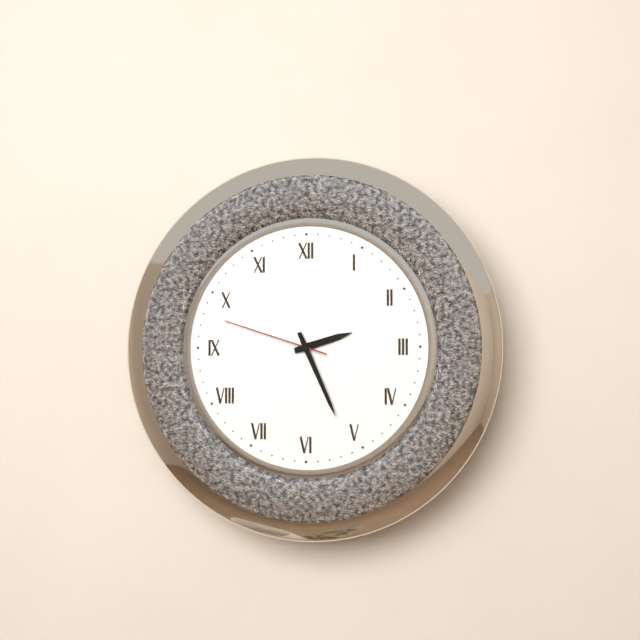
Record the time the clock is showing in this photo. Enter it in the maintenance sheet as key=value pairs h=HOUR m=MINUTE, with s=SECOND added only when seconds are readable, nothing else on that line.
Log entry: h=2 m=26 s=48
